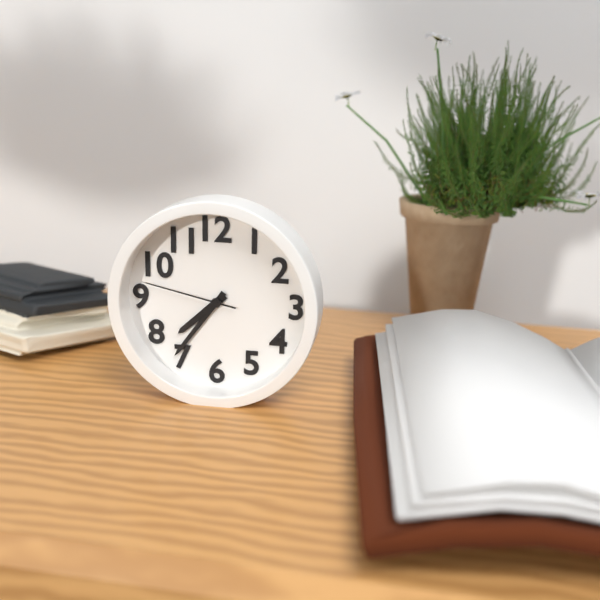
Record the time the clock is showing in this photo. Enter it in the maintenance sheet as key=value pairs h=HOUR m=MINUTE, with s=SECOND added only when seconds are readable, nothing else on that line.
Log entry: h=7 m=36 s=47
